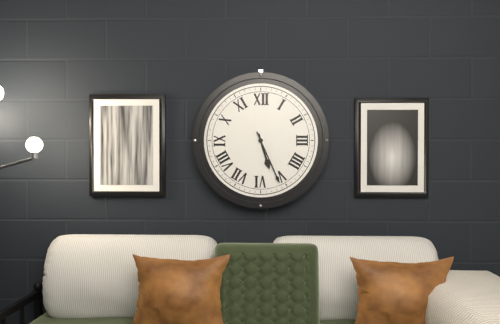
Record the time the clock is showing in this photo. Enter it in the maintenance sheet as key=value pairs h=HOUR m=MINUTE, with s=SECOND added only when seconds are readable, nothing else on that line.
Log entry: h=5 m=26
